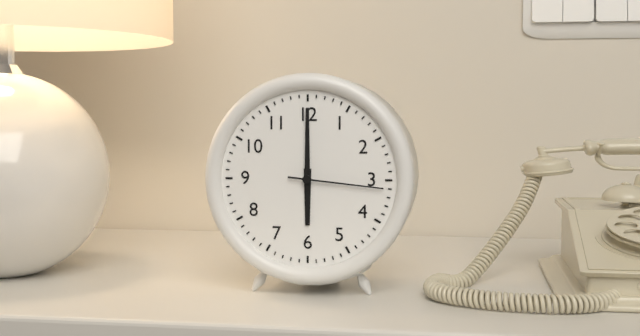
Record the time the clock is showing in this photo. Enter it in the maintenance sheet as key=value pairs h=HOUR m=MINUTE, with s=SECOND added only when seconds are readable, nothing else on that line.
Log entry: h=6 m=0 s=16
